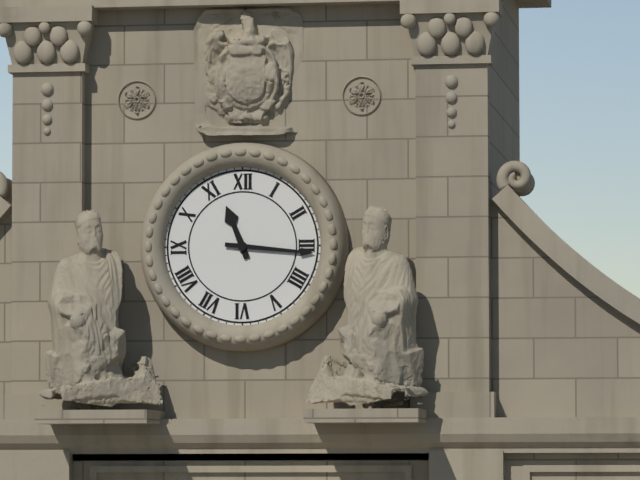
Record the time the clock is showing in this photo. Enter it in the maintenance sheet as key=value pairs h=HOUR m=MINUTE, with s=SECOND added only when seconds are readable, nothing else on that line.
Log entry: h=11 m=16
